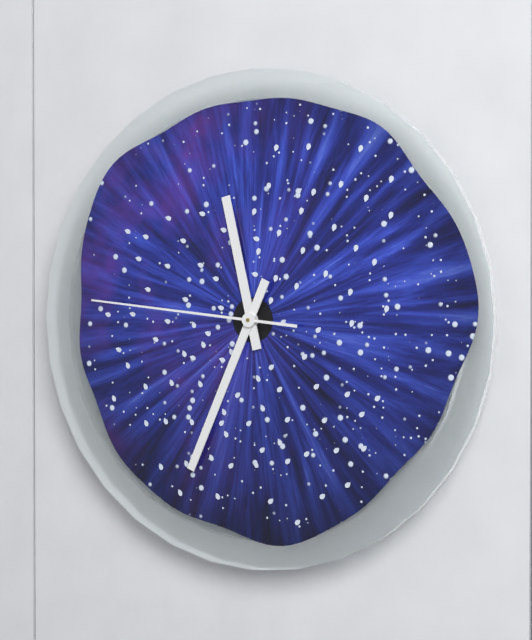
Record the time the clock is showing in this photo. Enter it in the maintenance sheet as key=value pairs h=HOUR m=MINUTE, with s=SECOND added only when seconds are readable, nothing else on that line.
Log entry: h=11 m=34 s=46
